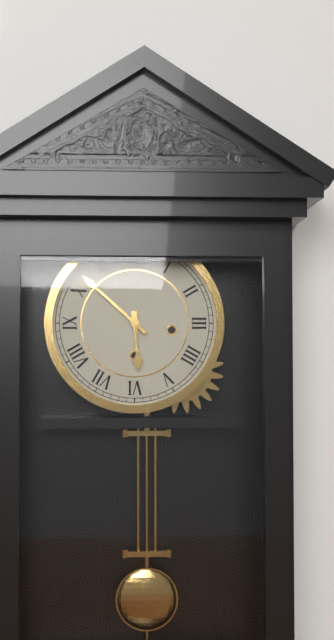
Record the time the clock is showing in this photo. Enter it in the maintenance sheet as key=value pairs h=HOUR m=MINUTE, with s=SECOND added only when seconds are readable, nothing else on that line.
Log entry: h=5 m=52
